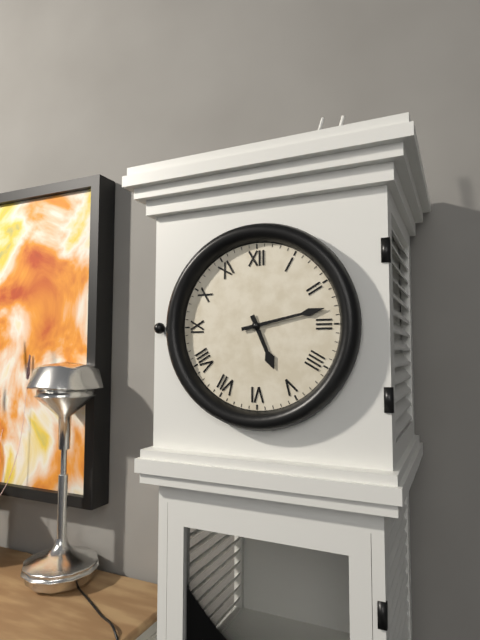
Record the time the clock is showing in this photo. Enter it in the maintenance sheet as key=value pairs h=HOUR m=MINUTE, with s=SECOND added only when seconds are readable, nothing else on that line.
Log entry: h=5 m=13
